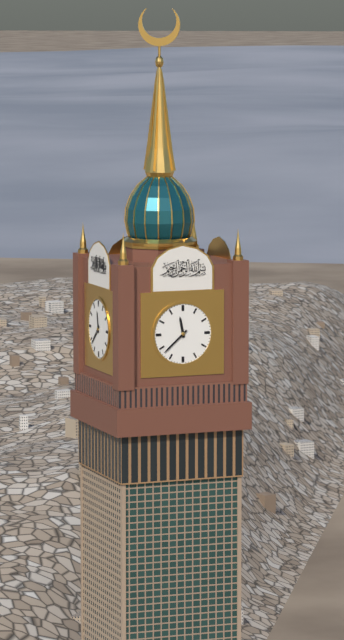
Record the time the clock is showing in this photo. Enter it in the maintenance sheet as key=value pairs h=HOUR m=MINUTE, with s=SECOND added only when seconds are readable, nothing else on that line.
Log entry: h=11 m=38
